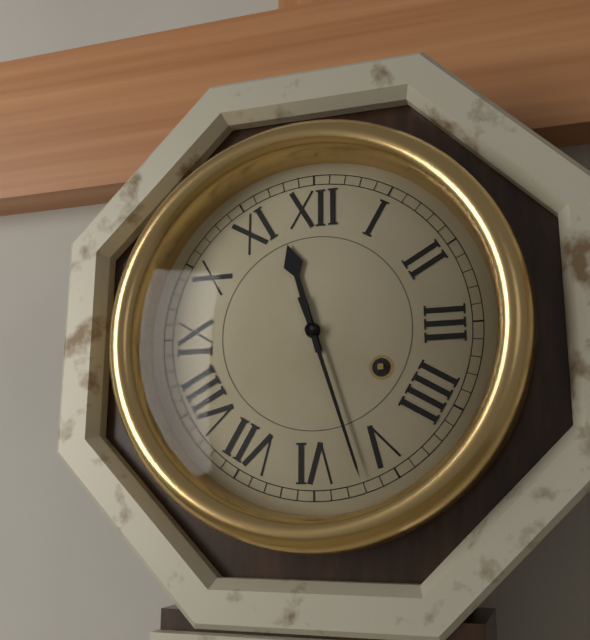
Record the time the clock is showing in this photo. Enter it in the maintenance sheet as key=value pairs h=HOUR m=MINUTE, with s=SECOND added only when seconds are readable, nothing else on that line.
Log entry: h=11 m=27
